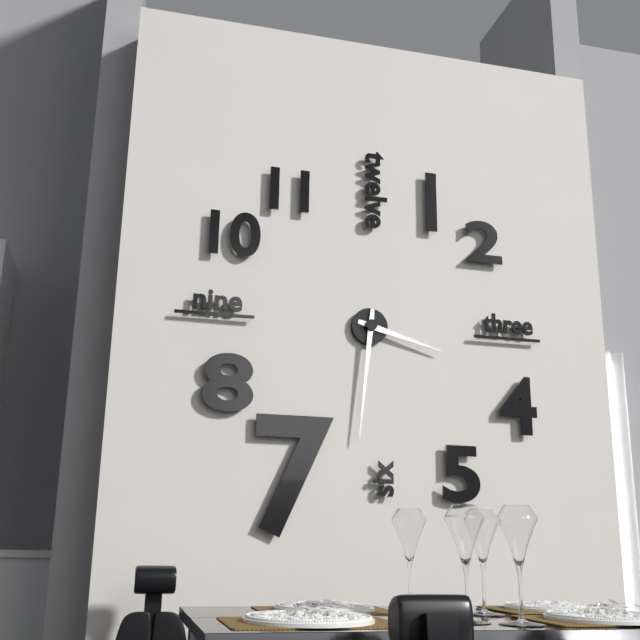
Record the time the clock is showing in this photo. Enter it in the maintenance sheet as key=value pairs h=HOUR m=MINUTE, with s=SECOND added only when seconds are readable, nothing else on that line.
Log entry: h=3 m=31
